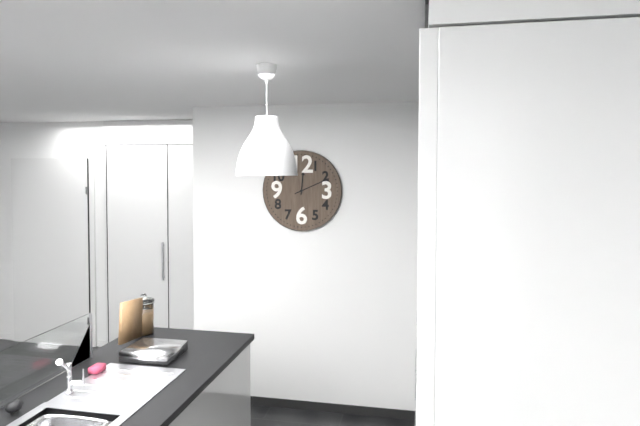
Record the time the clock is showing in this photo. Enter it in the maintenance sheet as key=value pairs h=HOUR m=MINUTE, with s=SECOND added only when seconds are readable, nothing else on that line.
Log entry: h=12 m=11
